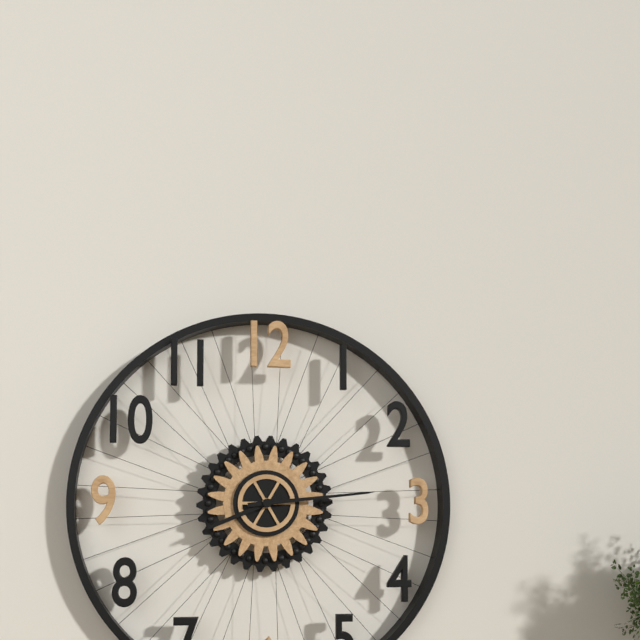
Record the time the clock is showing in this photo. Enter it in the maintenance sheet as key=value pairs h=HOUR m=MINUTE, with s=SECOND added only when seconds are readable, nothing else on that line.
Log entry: h=8 m=14
